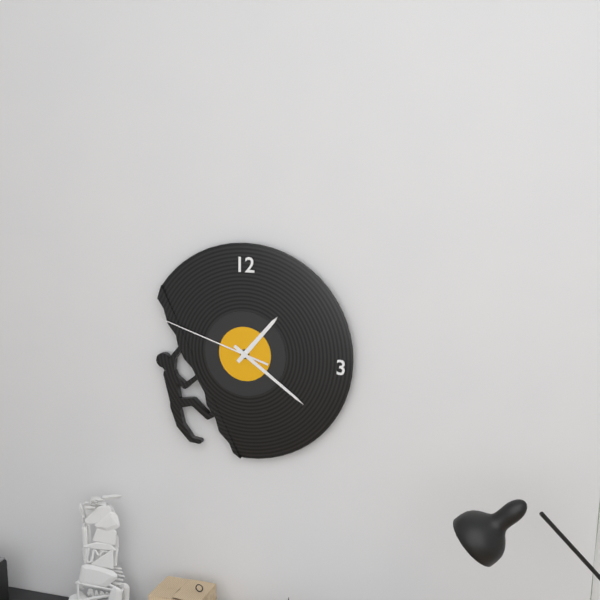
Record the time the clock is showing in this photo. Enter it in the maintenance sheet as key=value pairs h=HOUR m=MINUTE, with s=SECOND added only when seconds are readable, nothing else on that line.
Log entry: h=1 m=21 s=48
